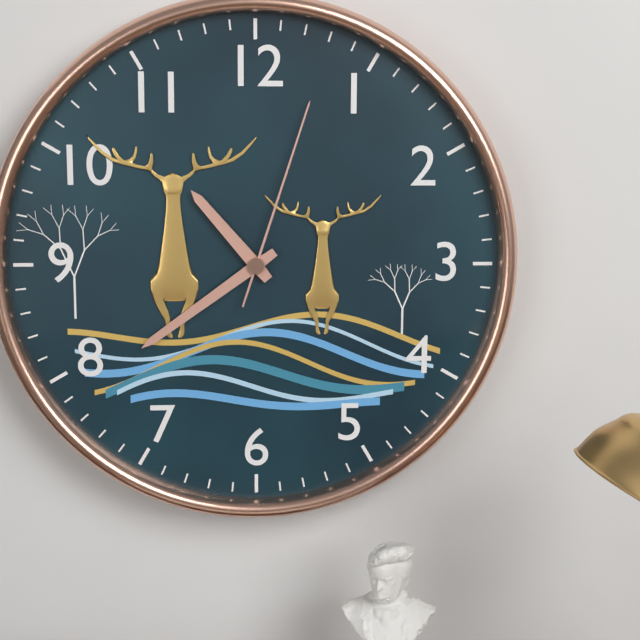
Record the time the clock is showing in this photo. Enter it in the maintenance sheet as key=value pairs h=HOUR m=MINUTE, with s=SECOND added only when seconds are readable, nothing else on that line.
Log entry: h=10 m=39 s=3
